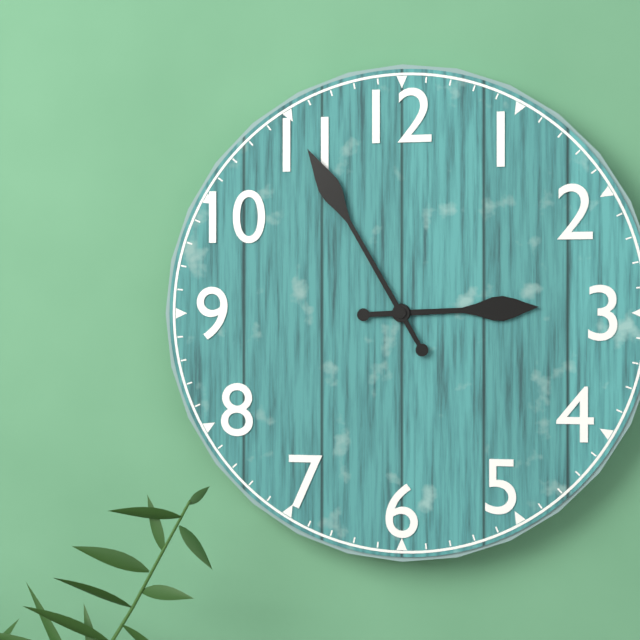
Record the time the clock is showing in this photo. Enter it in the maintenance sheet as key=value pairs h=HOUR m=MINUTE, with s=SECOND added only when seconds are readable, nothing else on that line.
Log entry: h=2 m=55
